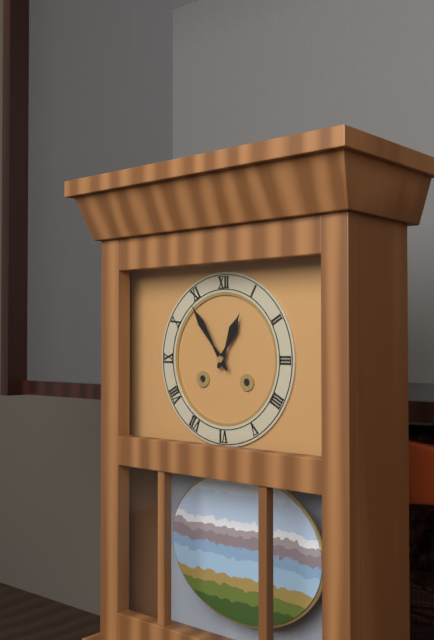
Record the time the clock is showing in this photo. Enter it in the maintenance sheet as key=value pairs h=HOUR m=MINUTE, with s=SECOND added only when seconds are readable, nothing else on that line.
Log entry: h=12 m=54
